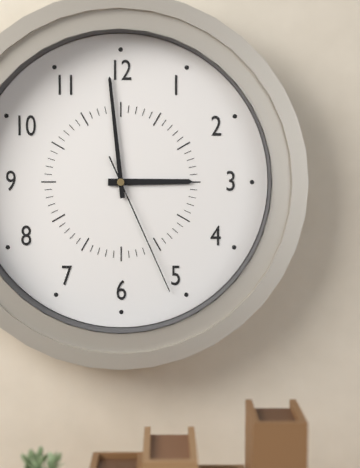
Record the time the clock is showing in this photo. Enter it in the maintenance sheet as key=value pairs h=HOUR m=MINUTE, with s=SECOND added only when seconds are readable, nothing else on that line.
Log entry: h=2 m=59 s=26
